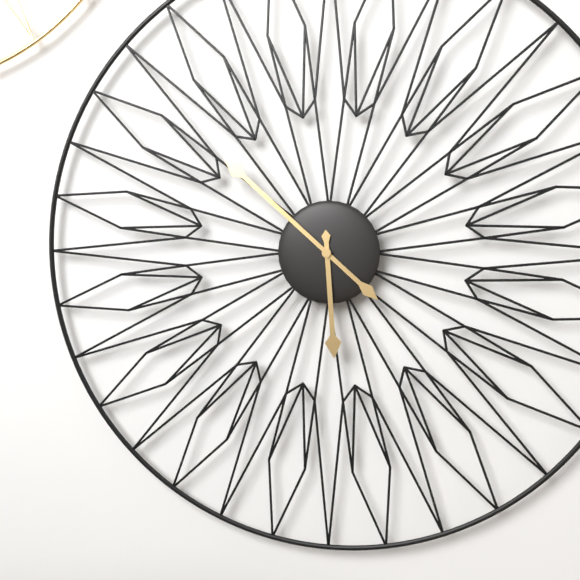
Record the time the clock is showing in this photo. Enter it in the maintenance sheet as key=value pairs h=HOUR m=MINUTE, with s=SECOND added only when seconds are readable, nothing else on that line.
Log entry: h=5 m=52
